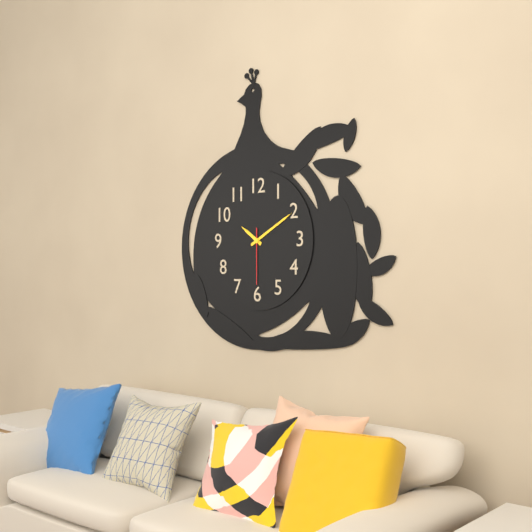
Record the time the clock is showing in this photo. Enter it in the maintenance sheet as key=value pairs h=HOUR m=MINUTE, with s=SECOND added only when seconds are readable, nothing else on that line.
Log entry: h=10 m=10 s=30
